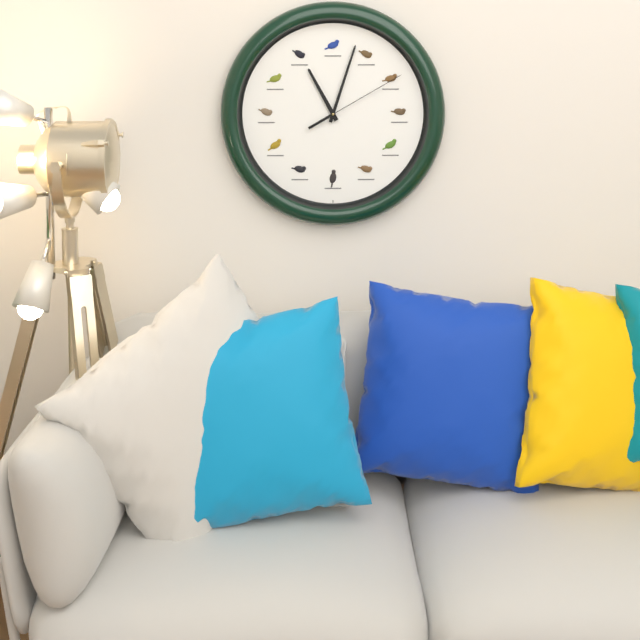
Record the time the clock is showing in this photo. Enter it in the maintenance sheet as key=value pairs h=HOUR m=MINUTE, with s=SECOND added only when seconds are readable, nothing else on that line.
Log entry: h=11 m=3 s=10
